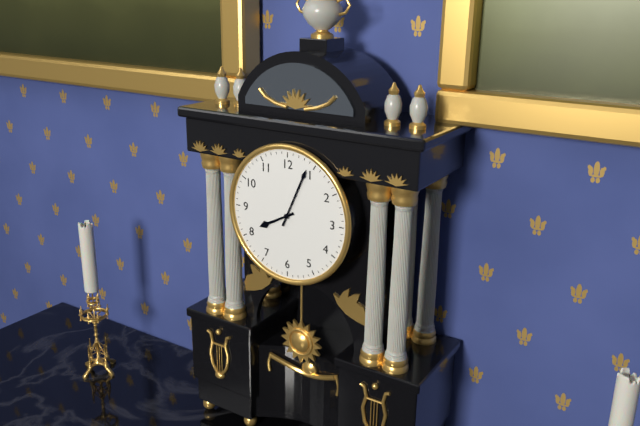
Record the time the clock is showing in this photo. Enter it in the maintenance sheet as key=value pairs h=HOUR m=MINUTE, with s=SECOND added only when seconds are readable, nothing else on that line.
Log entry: h=8 m=4
